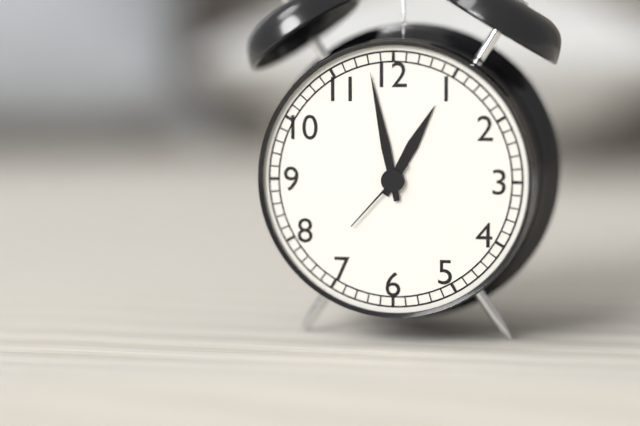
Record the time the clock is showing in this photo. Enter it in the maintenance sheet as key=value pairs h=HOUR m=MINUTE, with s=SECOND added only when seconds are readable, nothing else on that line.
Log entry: h=12 m=58 s=37
